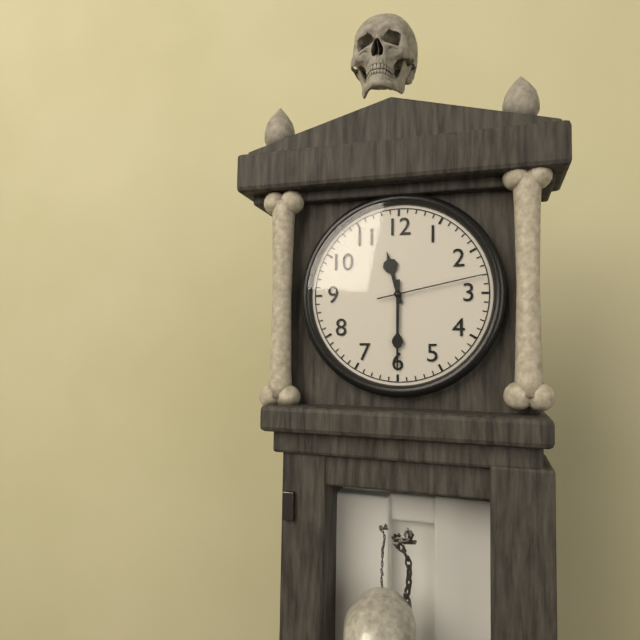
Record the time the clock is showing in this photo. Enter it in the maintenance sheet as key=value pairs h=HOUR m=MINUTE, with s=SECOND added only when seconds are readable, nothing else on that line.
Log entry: h=11 m=30 s=13
